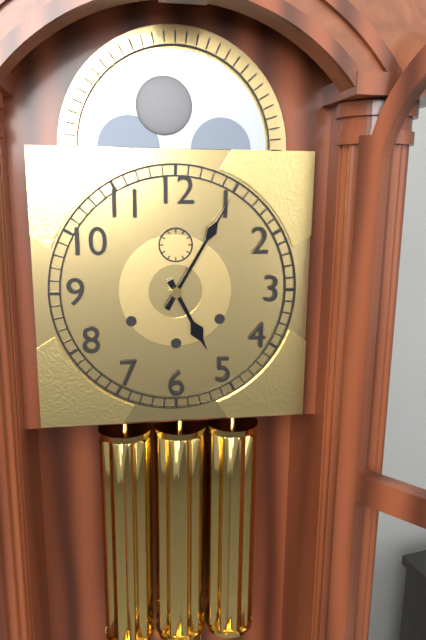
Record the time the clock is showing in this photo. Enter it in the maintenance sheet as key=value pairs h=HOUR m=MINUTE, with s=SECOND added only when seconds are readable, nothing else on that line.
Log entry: h=5 m=5
